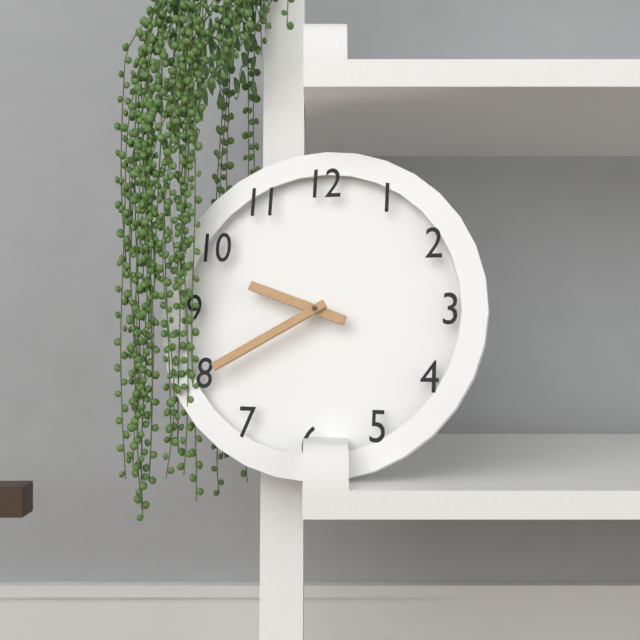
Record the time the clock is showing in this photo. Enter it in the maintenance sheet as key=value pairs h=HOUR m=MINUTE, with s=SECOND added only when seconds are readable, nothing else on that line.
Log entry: h=9 m=40
